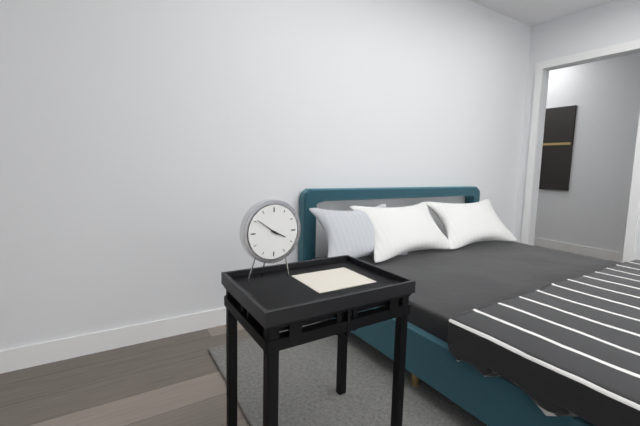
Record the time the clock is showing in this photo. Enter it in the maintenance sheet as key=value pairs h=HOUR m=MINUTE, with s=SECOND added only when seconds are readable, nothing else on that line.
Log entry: h=3 m=51
